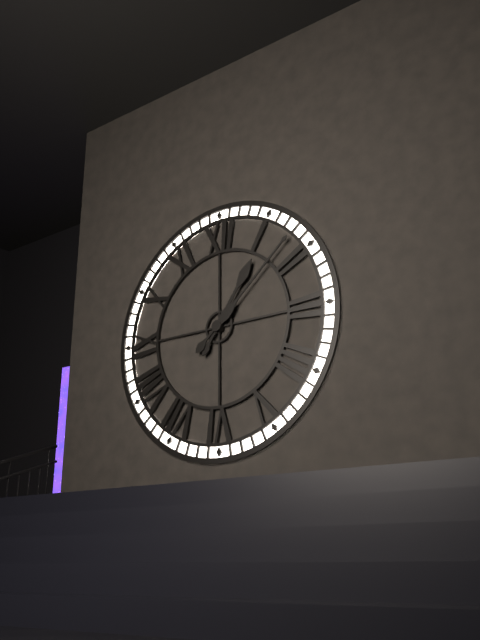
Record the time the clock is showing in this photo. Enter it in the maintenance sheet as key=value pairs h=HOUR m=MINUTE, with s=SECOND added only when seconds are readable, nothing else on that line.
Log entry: h=1 m=8
